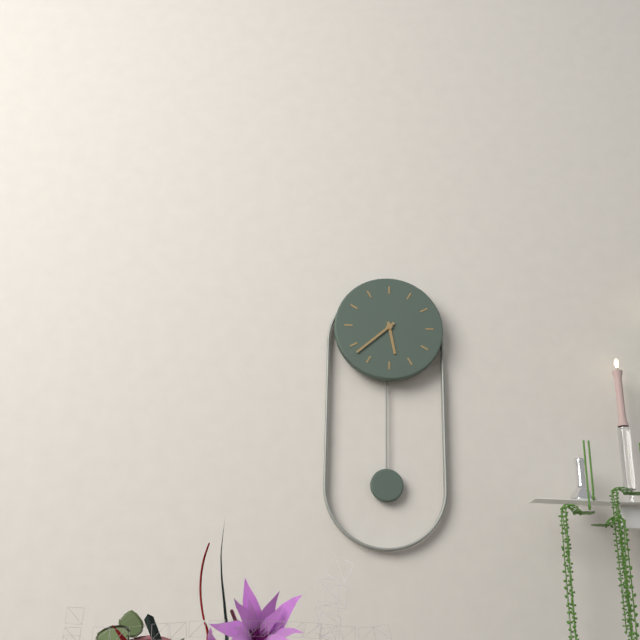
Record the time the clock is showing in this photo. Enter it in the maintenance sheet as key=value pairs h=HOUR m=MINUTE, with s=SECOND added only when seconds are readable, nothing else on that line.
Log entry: h=5 m=38
